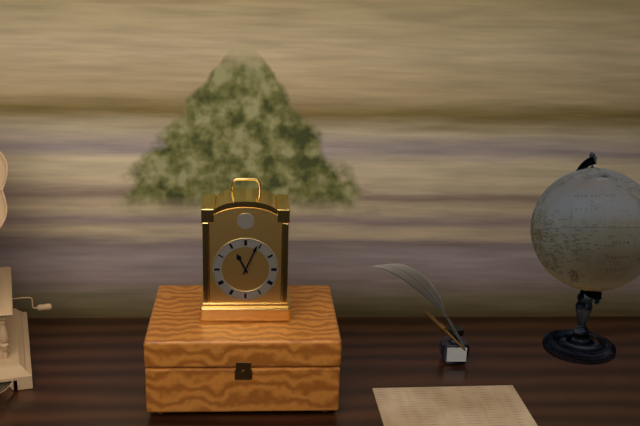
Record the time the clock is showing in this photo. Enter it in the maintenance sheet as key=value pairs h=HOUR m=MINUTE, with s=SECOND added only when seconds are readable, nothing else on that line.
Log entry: h=11 m=4
